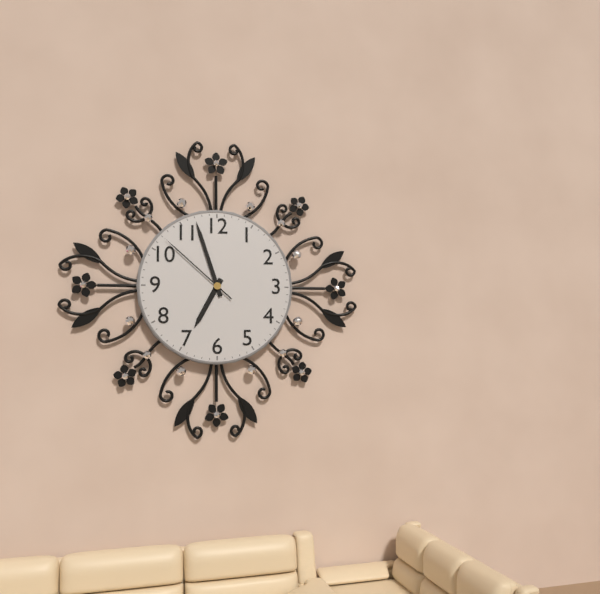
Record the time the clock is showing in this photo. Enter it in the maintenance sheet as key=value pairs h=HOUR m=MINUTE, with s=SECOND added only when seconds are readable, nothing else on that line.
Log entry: h=6 m=57 s=52
